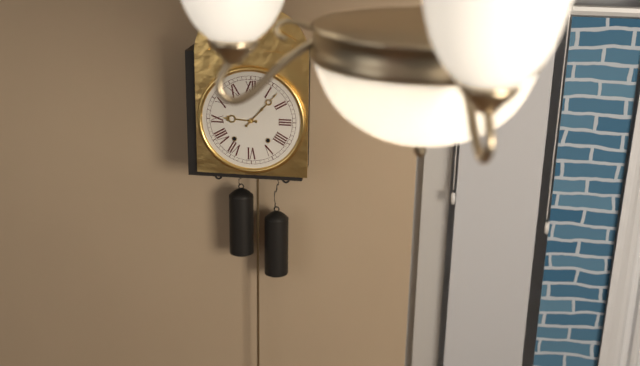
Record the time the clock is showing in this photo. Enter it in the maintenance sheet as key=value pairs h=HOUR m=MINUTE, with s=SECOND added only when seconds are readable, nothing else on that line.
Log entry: h=9 m=7
